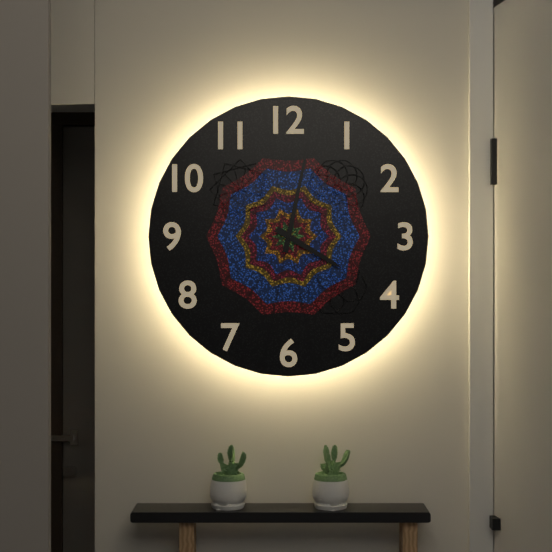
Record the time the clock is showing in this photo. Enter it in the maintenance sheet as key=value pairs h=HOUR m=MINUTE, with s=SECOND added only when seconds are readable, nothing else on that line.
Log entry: h=4 m=2
